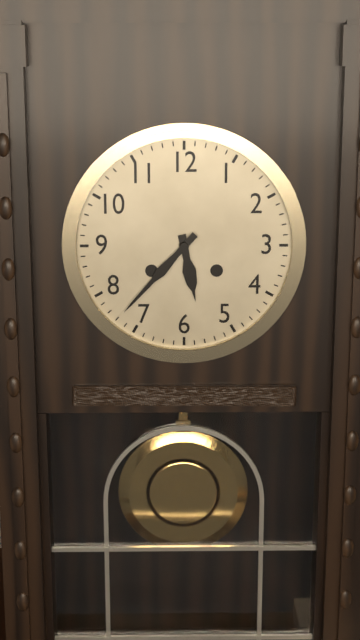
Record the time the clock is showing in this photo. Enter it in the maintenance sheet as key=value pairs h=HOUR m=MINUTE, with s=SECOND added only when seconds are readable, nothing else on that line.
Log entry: h=5 m=37
